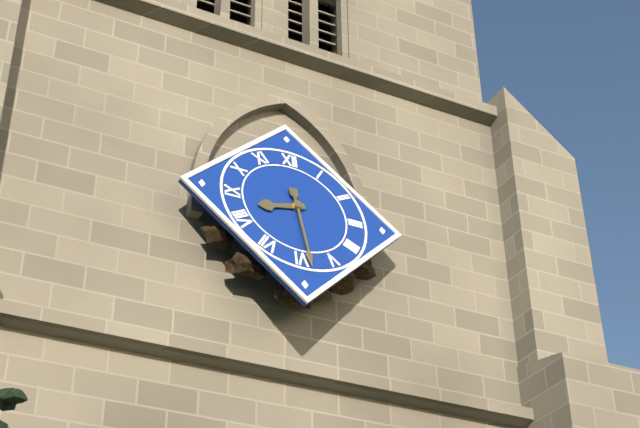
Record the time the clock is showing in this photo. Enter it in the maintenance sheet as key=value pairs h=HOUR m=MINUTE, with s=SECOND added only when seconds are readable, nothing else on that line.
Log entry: h=8 m=29
